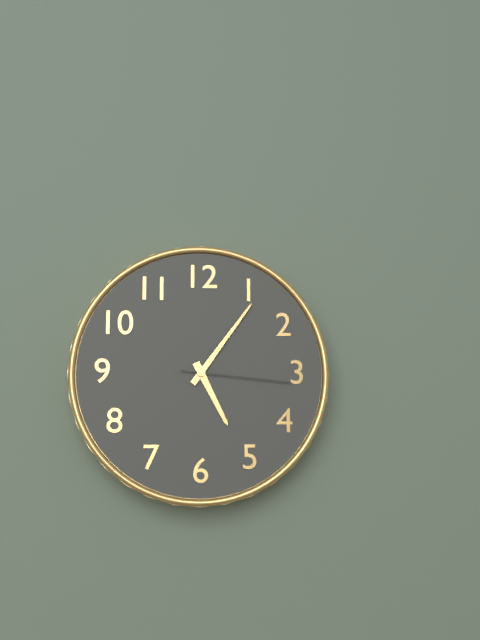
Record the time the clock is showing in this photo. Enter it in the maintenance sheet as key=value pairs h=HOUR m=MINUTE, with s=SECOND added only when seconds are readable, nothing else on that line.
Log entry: h=5 m=6 s=16
